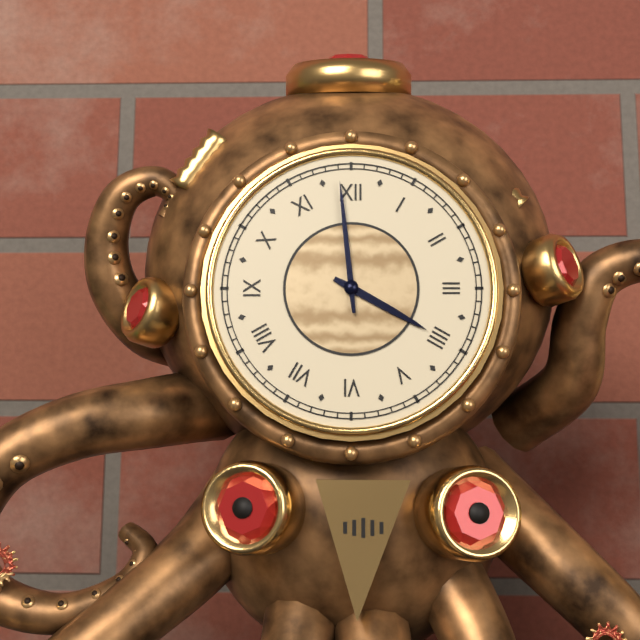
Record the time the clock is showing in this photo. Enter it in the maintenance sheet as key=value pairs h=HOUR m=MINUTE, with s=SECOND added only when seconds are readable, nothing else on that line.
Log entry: h=3 m=59
